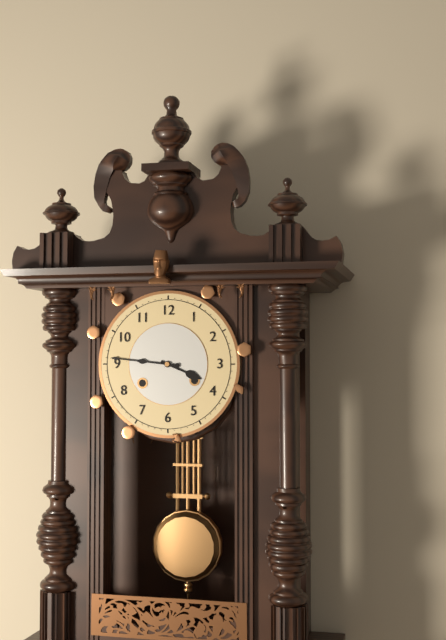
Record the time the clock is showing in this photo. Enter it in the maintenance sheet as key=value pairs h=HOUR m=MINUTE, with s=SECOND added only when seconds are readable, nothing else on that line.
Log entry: h=3 m=46
